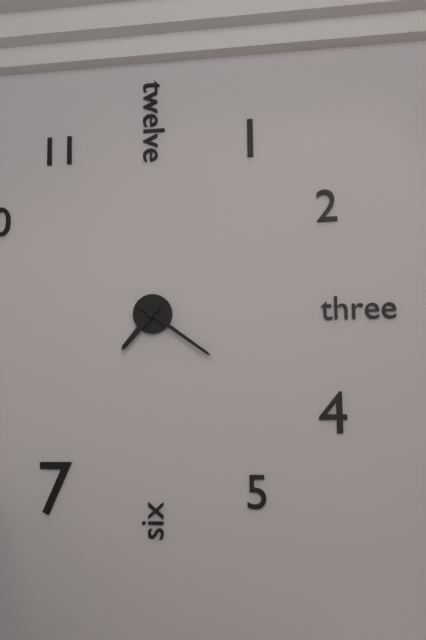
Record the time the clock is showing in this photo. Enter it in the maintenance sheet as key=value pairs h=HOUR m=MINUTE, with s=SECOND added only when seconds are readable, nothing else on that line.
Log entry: h=7 m=21
